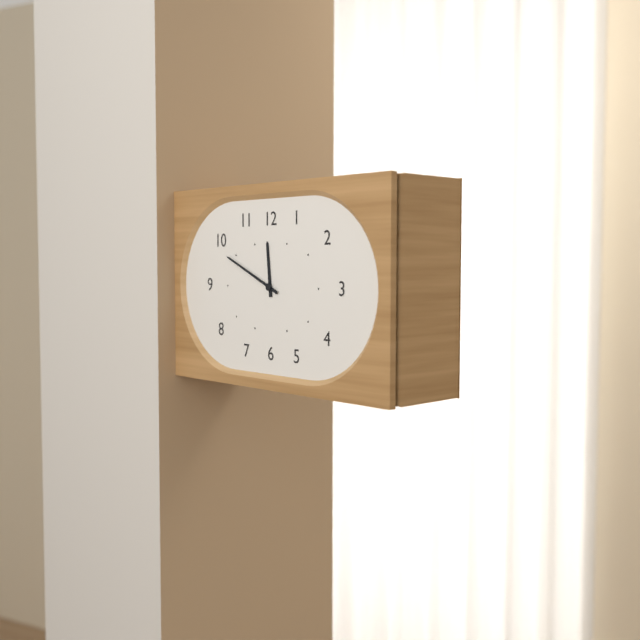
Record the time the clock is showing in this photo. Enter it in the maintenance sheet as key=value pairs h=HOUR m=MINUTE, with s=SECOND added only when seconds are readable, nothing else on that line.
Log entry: h=11 m=49
